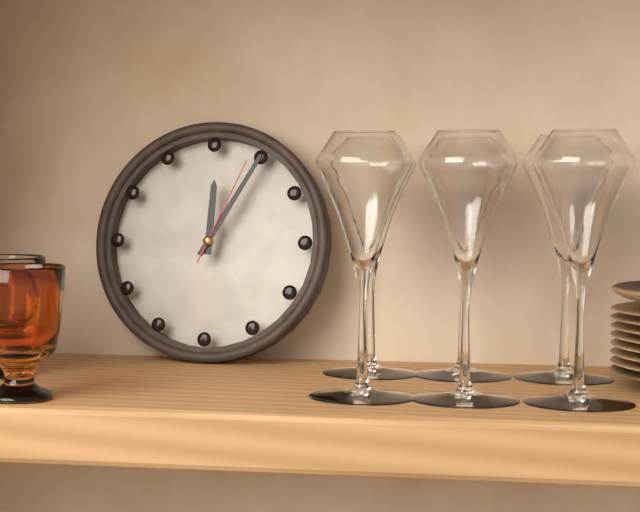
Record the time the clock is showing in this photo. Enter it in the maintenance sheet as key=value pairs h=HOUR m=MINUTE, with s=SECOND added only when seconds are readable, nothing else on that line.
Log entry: h=12 m=5 s=4
